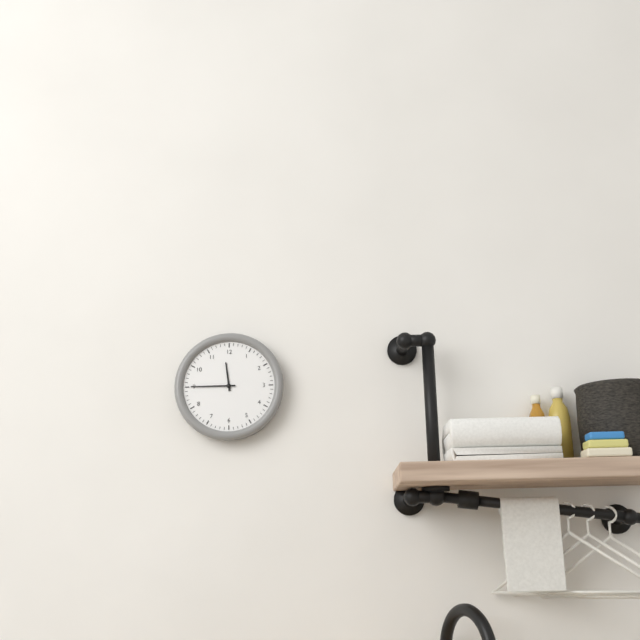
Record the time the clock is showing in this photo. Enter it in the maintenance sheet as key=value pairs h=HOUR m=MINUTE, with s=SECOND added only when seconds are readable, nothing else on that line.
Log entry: h=11 m=45
